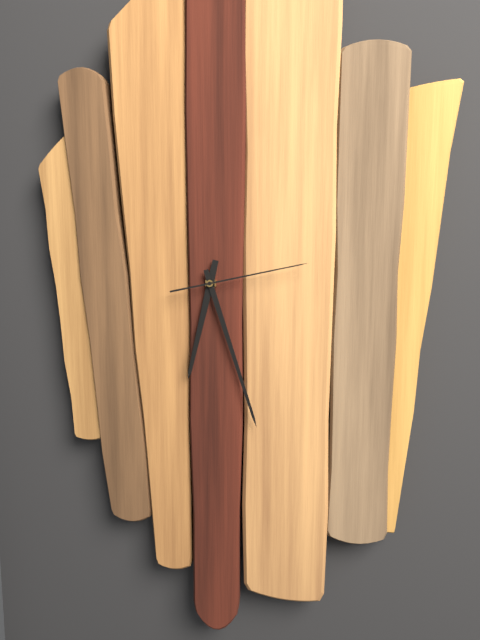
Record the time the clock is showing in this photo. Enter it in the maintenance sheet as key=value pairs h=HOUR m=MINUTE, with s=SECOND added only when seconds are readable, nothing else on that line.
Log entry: h=6 m=27 s=13
